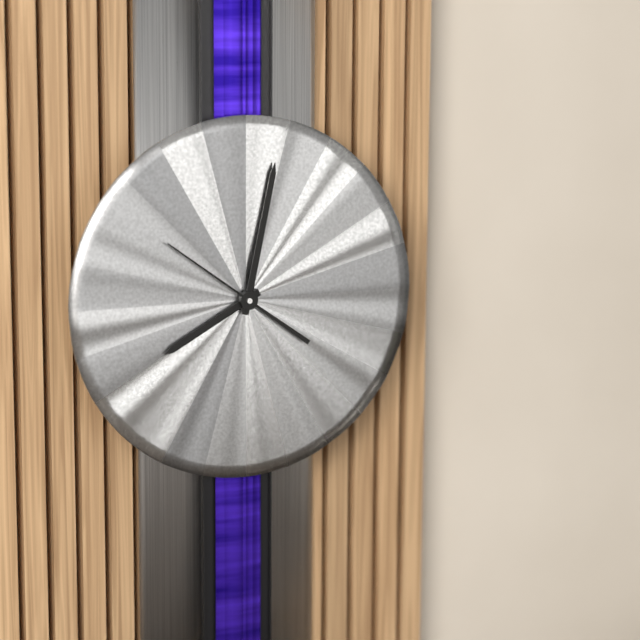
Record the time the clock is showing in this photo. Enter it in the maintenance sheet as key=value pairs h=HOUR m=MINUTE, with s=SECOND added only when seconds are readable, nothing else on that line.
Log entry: h=8 m=2 s=51
